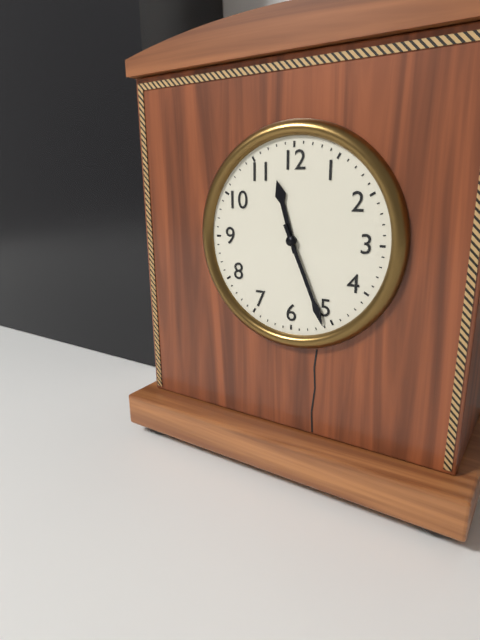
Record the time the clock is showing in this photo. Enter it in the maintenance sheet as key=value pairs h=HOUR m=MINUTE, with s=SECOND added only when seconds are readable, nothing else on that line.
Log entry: h=11 m=26
